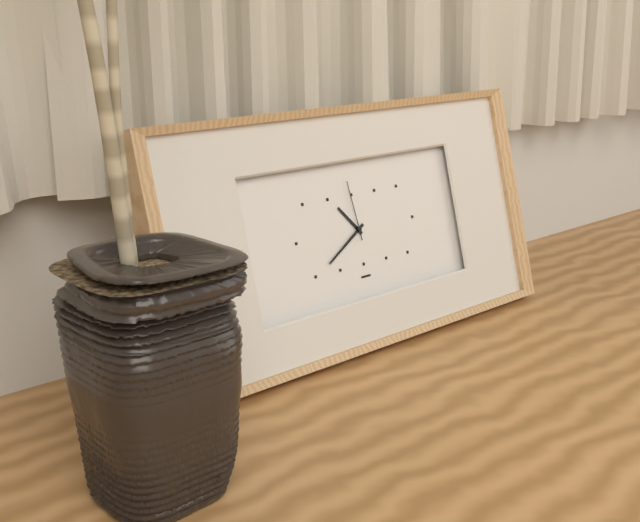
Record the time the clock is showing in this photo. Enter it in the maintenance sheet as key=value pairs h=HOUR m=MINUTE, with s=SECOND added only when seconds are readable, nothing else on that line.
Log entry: h=10 m=40 s=59
